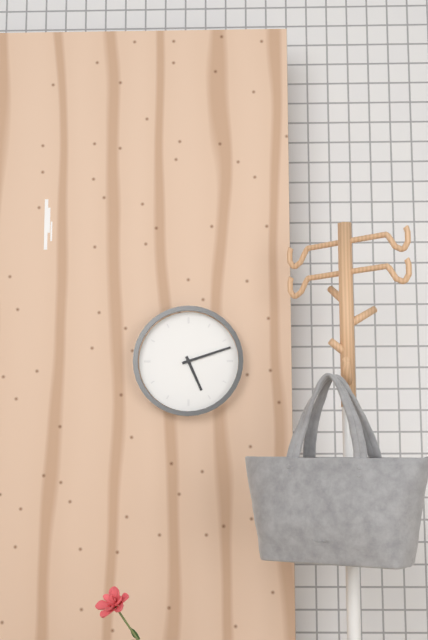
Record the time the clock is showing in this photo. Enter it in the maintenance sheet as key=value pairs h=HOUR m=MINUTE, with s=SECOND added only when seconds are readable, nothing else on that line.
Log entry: h=5 m=12
